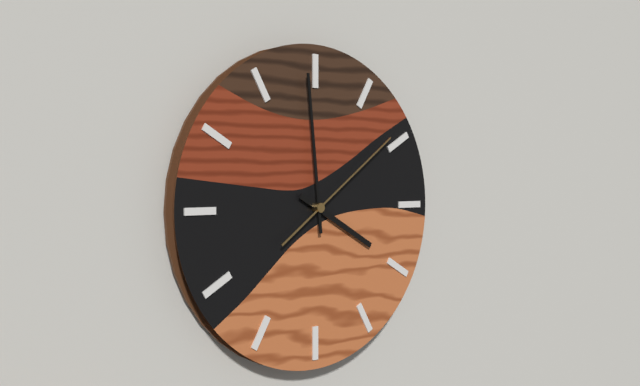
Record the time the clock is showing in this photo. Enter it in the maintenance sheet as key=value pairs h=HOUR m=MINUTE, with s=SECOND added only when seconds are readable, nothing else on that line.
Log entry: h=3 m=59 s=9
